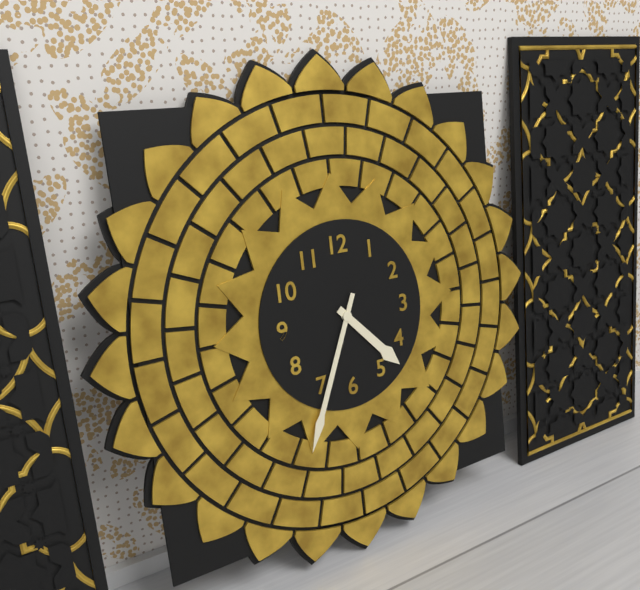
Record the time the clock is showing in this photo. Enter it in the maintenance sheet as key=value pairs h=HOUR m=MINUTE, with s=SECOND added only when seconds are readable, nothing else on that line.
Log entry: h=4 m=34
